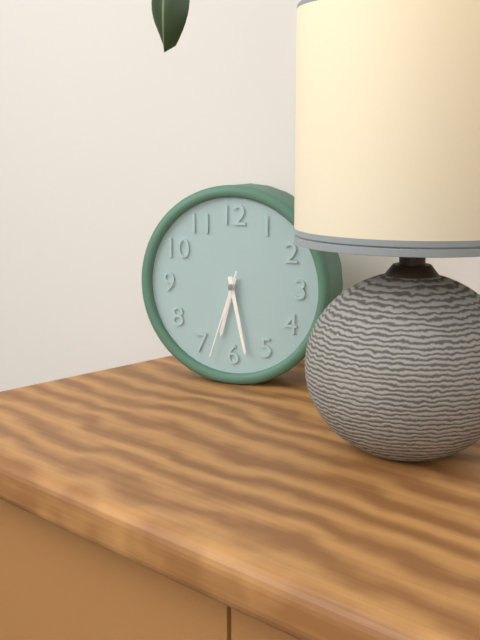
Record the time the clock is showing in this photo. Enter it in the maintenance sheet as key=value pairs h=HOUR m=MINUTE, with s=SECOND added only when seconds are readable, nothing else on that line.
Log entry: h=6 m=28 s=33
